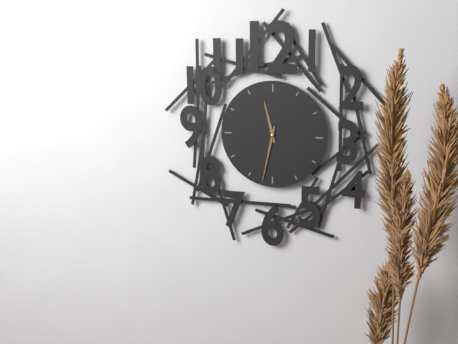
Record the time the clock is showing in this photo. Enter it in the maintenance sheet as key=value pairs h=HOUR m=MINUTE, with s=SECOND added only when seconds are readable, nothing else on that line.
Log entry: h=11 m=32
